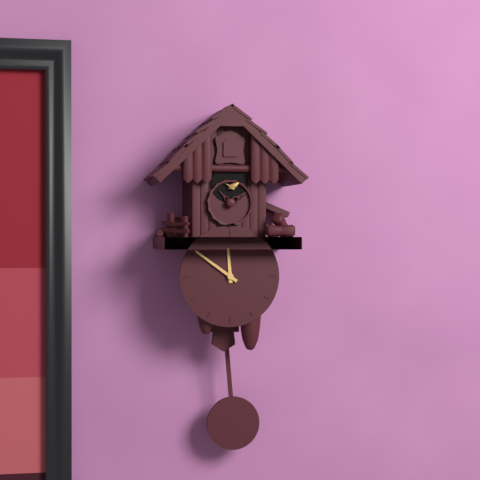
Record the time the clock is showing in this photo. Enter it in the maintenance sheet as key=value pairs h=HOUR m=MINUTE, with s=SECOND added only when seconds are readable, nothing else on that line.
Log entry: h=11 m=51
